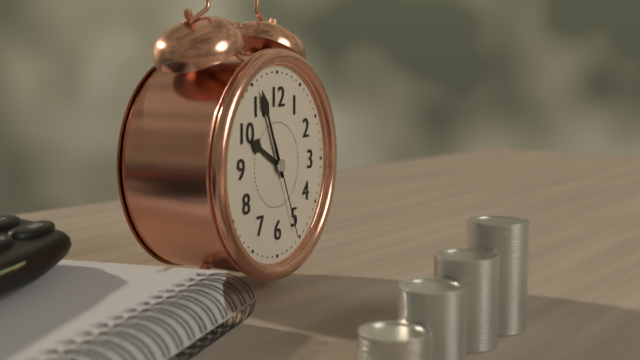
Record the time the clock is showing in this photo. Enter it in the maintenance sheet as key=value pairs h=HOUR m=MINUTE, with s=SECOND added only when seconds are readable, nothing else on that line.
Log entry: h=9 m=56 s=26
